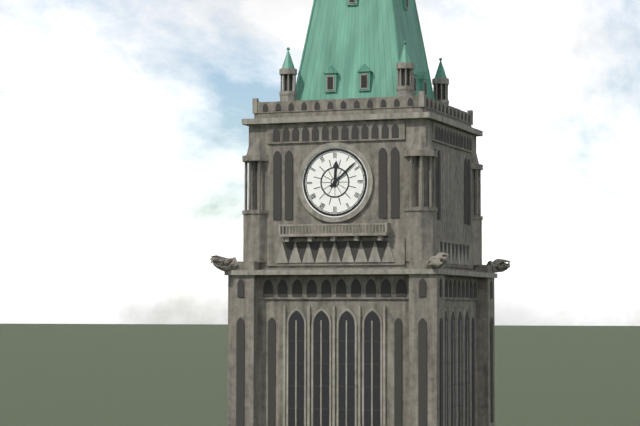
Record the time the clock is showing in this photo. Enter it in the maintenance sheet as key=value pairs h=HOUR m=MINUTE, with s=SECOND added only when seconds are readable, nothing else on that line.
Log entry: h=12 m=8
